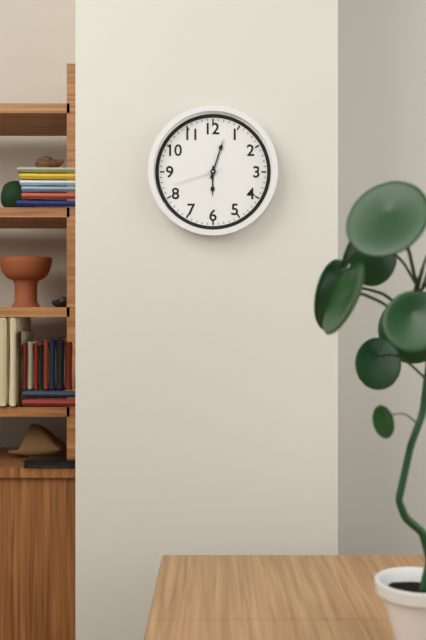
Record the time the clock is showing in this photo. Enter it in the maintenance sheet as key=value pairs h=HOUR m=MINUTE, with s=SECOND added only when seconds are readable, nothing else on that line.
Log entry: h=6 m=3 s=42
